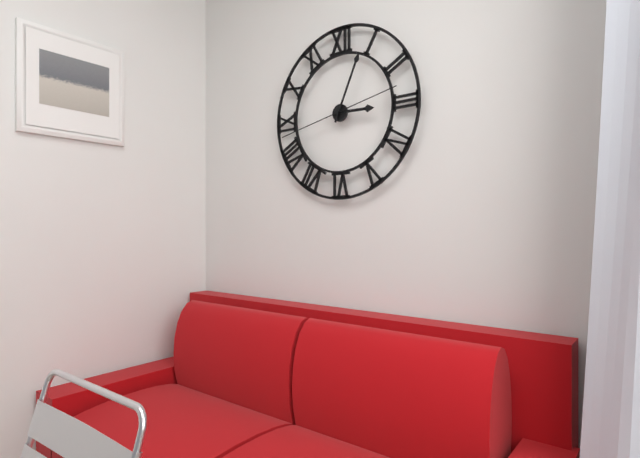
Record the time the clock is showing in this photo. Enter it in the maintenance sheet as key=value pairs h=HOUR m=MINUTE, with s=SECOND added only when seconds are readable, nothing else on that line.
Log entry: h=3 m=4 s=43
